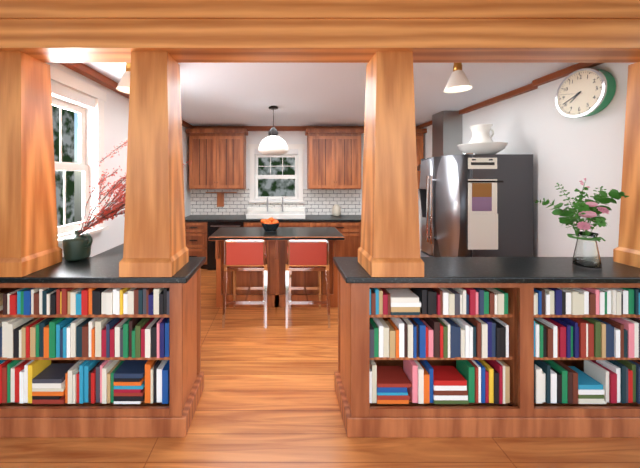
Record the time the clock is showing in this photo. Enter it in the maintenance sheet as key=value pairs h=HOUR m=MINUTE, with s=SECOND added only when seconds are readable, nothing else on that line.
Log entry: h=7 m=41
